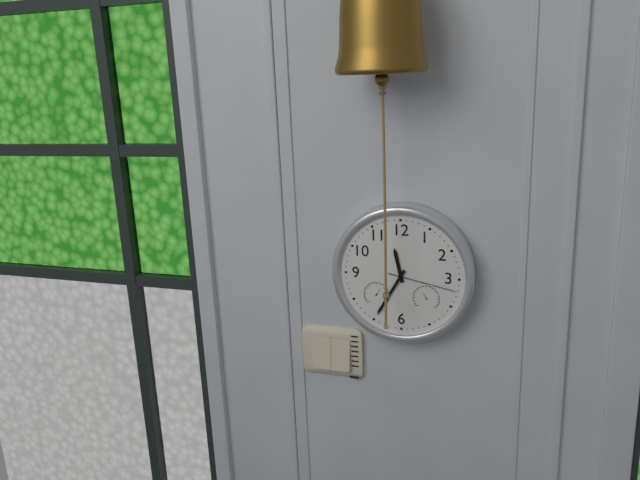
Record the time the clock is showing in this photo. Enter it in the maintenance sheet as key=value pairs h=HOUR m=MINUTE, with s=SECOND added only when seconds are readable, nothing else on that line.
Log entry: h=11 m=35 s=17
